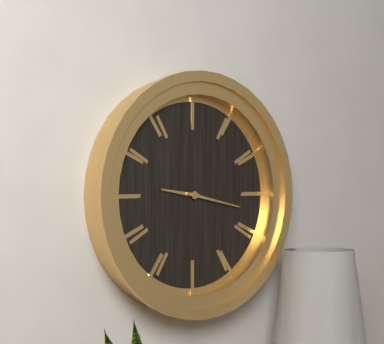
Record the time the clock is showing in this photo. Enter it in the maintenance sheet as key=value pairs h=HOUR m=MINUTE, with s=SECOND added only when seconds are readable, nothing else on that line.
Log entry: h=9 m=17
